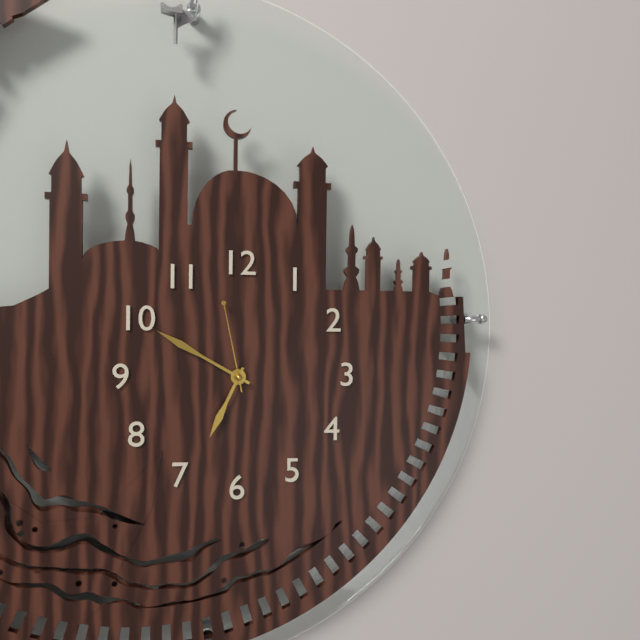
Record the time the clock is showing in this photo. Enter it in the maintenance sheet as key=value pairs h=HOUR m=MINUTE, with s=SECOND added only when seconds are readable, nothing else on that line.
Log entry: h=6 m=50 s=58
